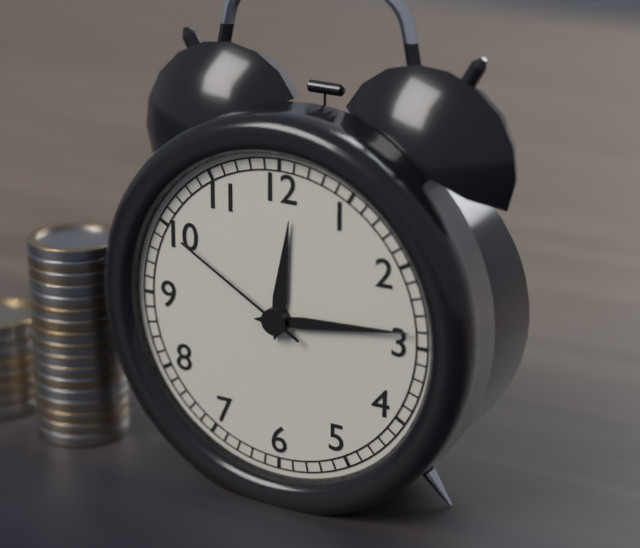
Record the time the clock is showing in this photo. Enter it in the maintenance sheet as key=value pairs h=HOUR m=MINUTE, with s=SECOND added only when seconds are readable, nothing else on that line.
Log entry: h=12 m=14 s=50
